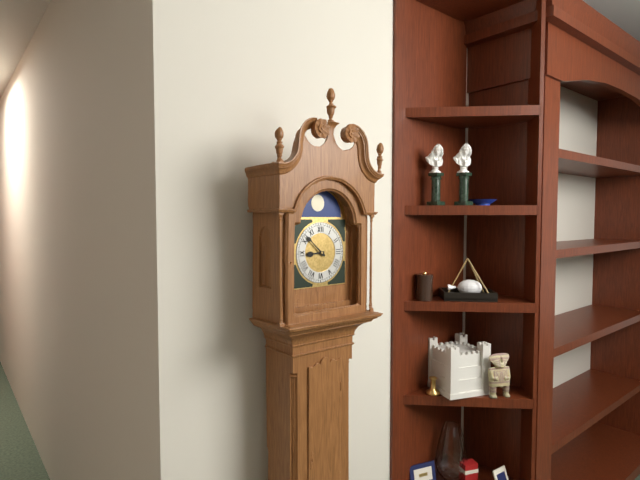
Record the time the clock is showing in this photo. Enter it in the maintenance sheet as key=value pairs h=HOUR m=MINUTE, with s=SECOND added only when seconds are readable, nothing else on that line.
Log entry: h=8 m=52
